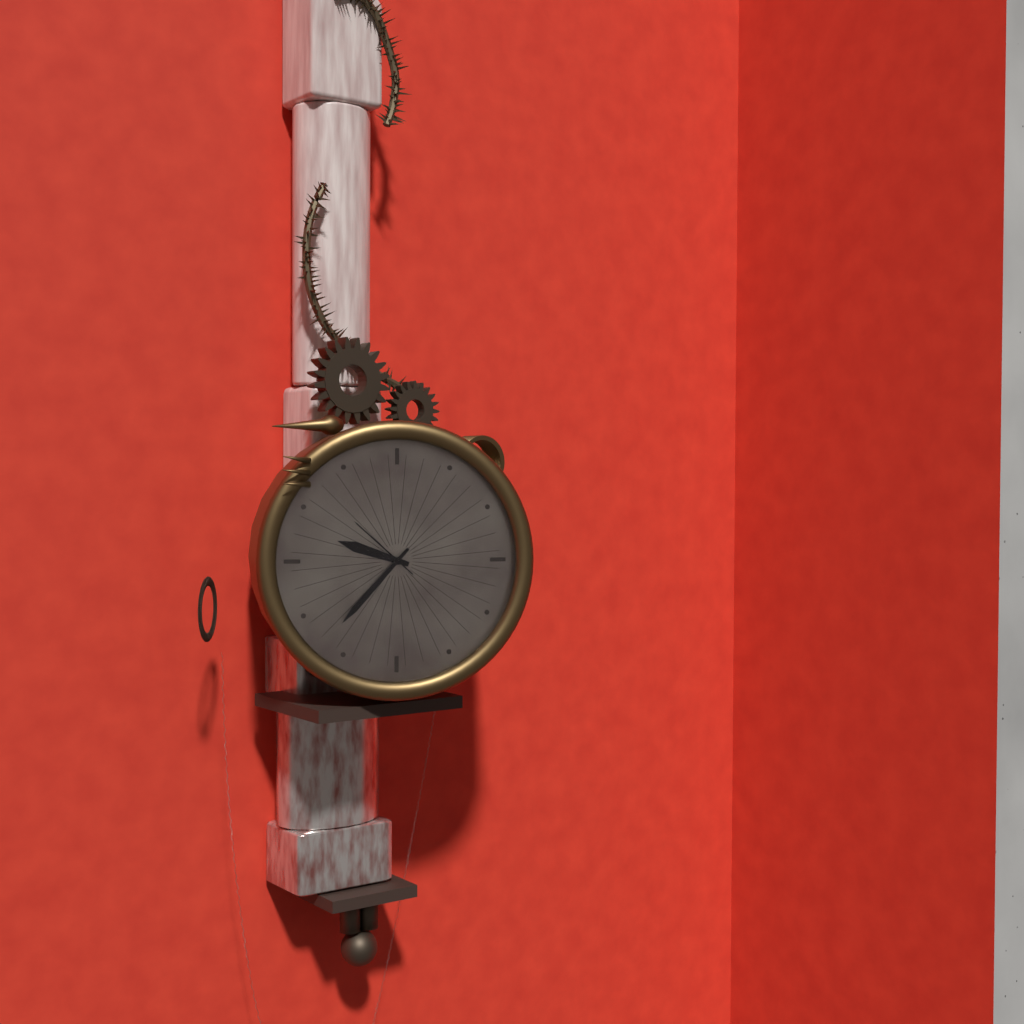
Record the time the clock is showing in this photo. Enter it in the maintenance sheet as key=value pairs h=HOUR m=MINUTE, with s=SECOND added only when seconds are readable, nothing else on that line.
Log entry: h=9 m=37 s=52
